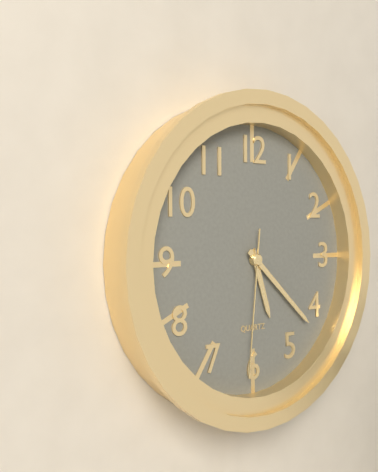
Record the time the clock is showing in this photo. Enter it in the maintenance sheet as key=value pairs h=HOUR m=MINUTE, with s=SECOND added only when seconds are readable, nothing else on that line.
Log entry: h=5 m=22 s=31
